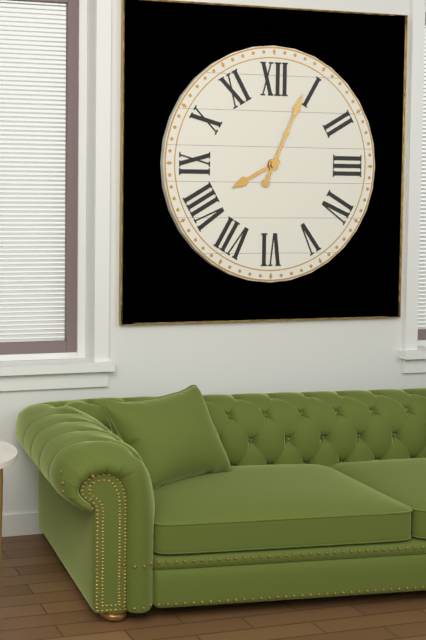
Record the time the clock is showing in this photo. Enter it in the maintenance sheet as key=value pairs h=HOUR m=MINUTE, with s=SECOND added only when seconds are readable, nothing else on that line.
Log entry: h=8 m=4
